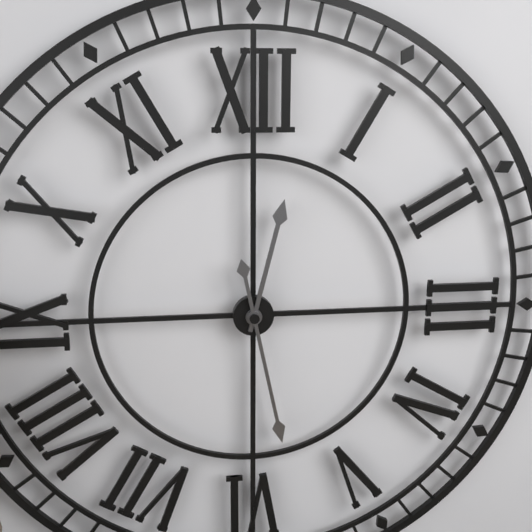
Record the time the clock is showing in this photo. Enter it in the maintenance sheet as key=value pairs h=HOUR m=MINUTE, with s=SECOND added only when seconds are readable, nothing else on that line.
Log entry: h=12 m=28
